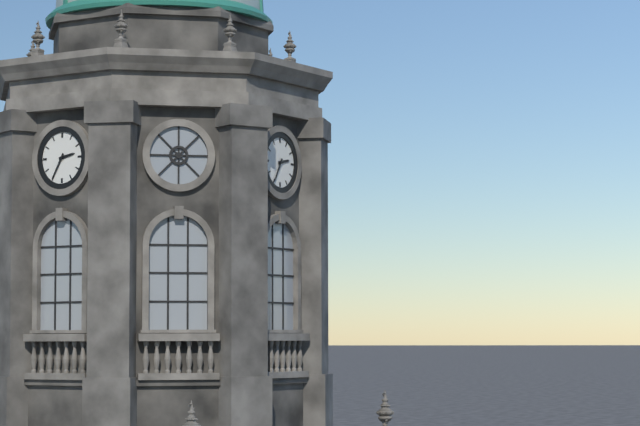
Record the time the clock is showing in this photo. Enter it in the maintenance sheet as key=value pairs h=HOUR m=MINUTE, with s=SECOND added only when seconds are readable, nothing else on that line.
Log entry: h=2 m=35
